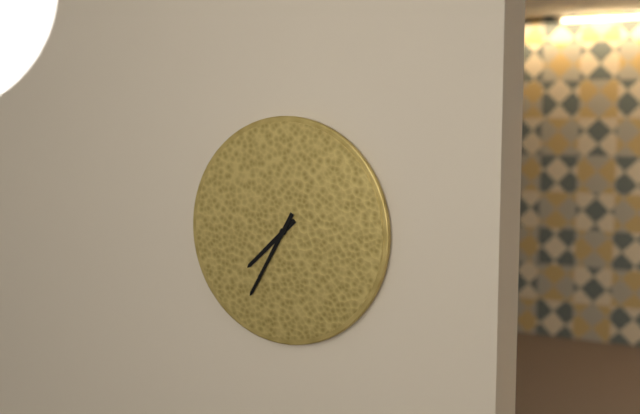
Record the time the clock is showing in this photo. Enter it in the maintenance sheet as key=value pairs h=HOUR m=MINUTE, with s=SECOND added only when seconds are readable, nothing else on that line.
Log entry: h=7 m=35
